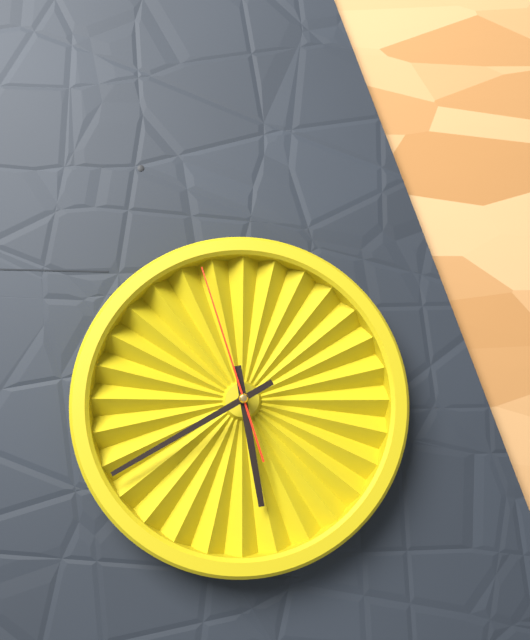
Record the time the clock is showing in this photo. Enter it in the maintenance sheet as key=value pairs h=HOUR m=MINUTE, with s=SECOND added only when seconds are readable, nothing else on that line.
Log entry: h=5 m=40 s=57
